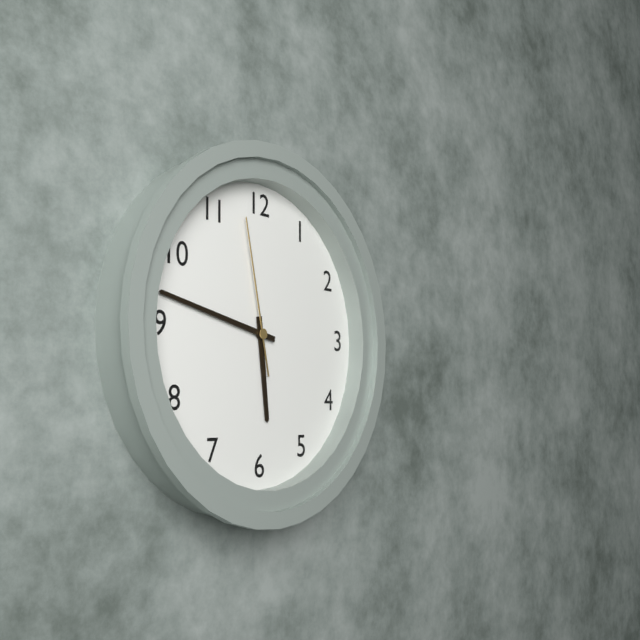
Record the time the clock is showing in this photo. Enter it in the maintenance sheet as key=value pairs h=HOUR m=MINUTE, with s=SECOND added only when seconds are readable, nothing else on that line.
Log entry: h=5 m=47 s=58
